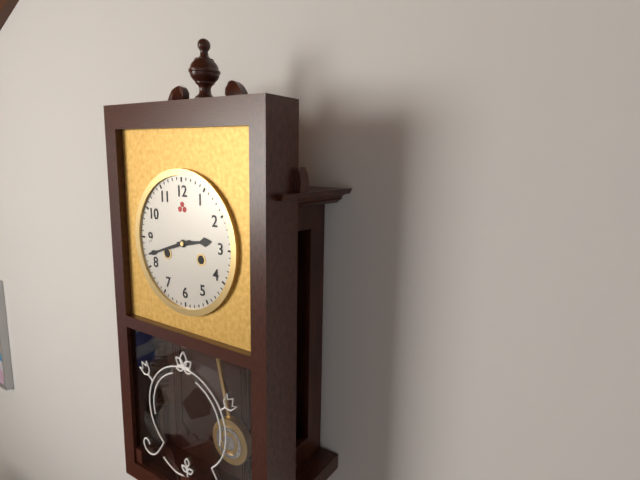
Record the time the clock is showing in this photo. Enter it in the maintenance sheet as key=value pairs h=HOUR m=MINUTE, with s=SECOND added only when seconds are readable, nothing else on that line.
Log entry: h=2 m=42
